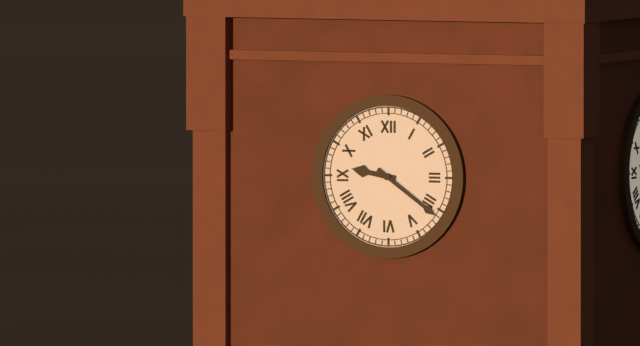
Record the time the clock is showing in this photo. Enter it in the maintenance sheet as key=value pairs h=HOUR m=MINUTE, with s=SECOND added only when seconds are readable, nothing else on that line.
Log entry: h=9 m=21
